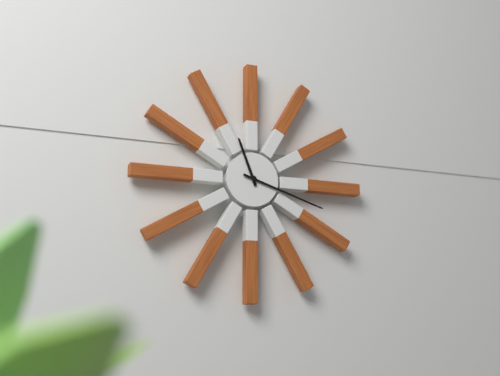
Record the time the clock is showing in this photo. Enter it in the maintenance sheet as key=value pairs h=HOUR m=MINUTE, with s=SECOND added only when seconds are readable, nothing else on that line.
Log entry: h=11 m=18
